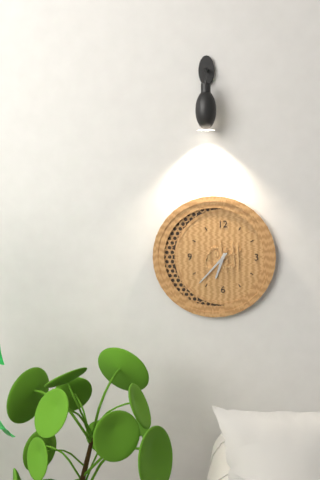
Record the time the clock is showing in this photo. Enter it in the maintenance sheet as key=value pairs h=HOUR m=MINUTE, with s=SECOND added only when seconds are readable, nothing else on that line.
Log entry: h=6 m=37
